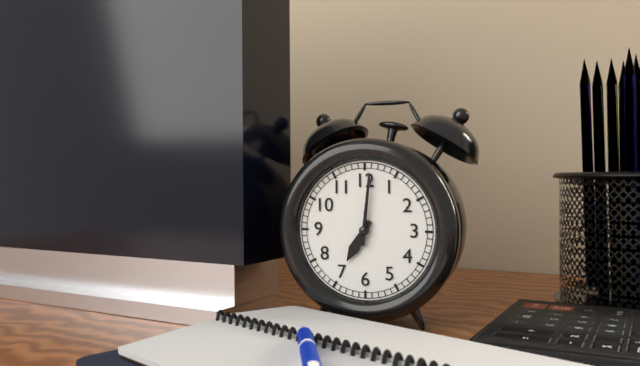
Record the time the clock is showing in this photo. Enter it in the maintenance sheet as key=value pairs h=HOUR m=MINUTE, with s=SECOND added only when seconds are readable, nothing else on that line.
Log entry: h=7 m=1
